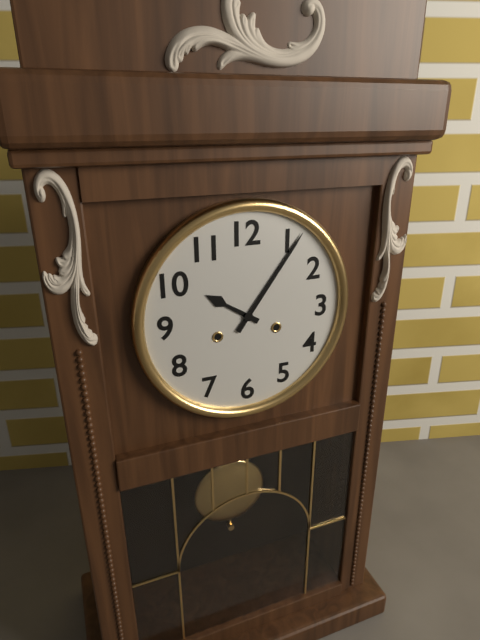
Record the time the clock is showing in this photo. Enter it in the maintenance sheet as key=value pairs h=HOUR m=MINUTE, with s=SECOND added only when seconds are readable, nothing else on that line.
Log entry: h=10 m=6
